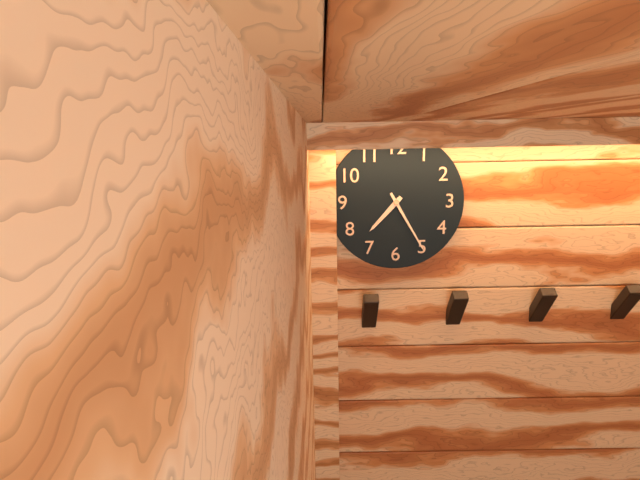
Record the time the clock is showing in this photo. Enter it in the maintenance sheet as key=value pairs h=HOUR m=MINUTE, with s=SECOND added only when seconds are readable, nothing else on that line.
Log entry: h=7 m=25
